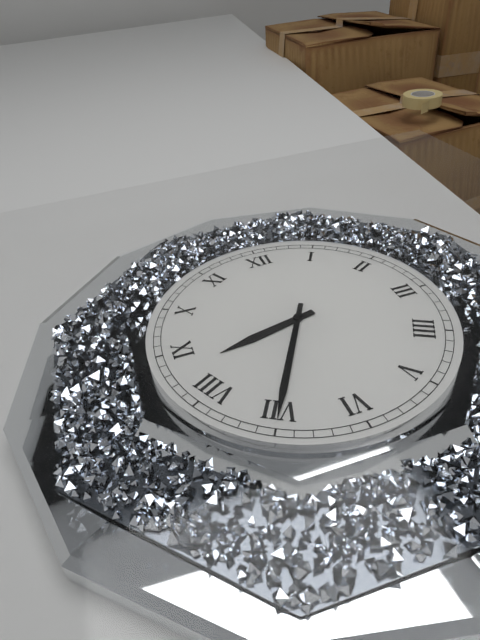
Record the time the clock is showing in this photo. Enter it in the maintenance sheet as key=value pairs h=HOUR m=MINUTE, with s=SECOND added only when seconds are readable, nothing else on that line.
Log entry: h=8 m=35
